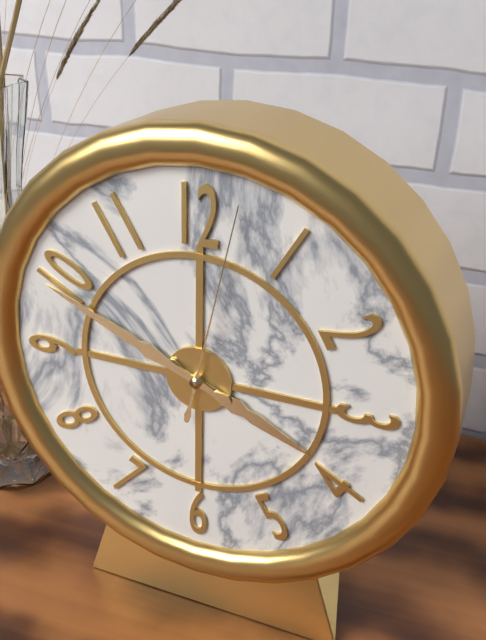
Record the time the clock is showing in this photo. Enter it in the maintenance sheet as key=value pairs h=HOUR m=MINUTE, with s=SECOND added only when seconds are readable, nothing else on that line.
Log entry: h=3 m=49 s=2
